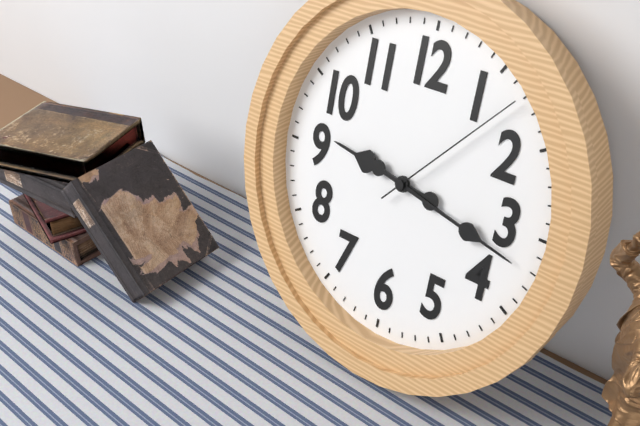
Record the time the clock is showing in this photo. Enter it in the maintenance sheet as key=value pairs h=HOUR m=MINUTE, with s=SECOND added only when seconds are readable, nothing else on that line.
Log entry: h=9 m=17 s=7
